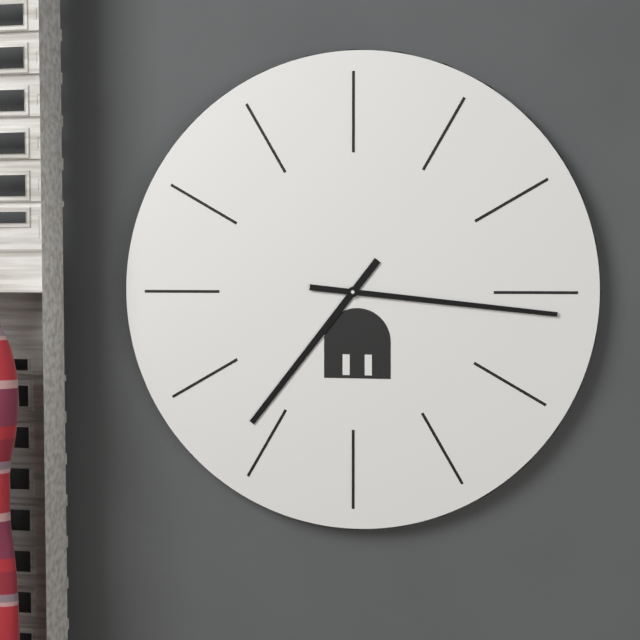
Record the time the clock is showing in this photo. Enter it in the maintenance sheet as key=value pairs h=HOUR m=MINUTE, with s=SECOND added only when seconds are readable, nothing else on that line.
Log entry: h=7 m=16
